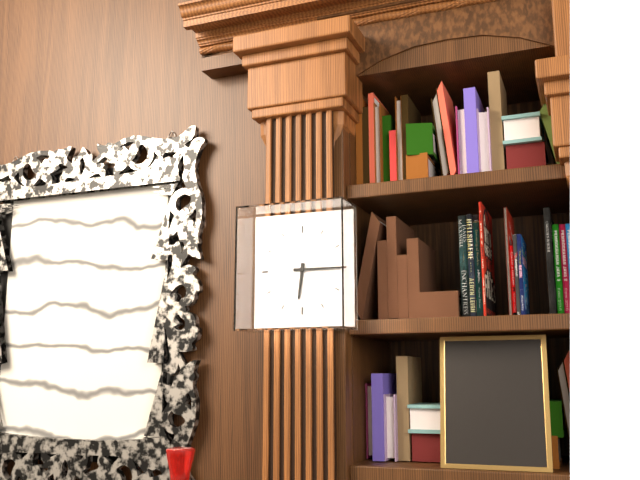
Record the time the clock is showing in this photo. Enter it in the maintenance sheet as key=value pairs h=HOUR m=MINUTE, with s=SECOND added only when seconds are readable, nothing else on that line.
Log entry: h=6 m=15
